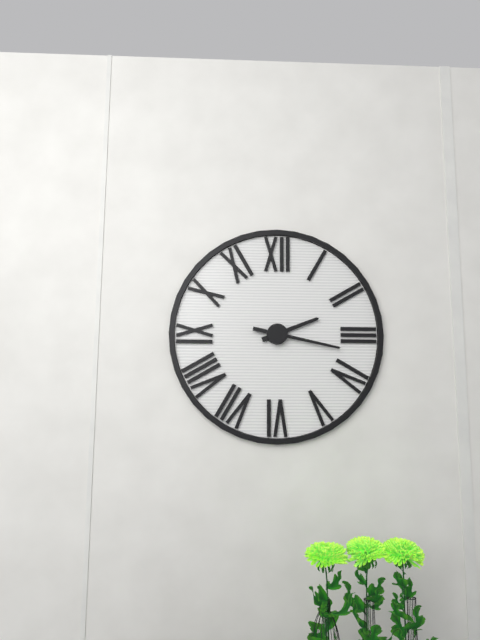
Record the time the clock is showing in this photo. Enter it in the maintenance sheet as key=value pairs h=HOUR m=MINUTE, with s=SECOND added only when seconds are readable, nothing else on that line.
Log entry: h=2 m=17
